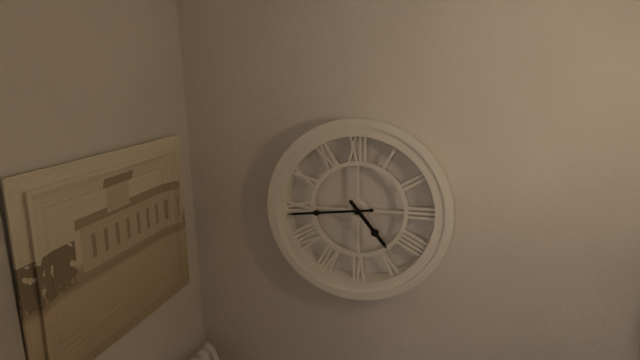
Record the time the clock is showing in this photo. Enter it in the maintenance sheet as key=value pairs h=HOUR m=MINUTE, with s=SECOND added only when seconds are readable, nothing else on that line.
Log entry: h=4 m=44
